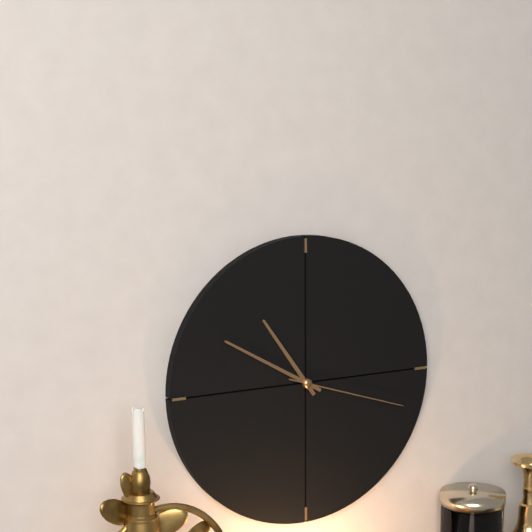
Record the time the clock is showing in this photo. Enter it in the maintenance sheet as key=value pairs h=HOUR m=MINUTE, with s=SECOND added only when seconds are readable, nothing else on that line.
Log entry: h=10 m=50 s=18
